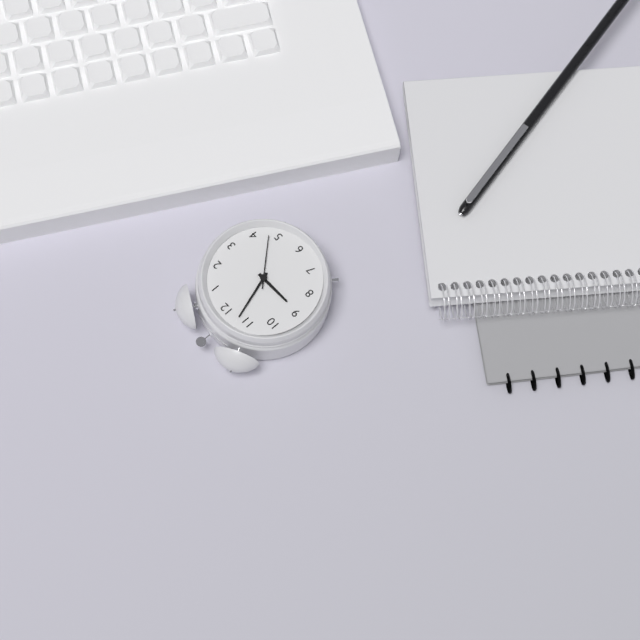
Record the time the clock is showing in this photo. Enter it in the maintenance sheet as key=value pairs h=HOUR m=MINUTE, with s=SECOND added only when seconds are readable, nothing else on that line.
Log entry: h=8 m=57 s=23
